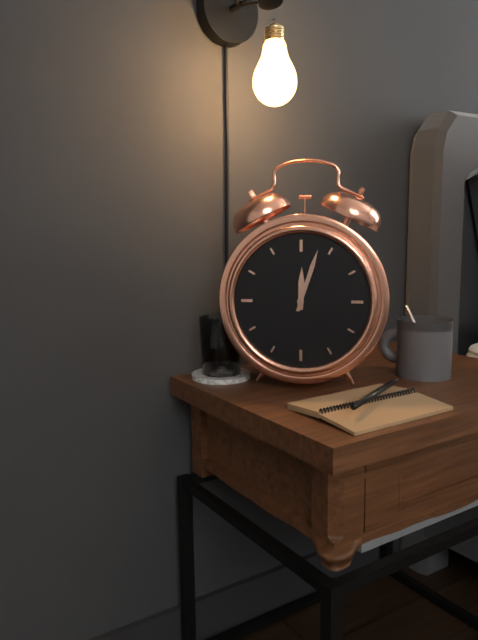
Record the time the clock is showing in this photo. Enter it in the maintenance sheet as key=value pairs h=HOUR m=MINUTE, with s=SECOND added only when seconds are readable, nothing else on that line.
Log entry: h=12 m=3
